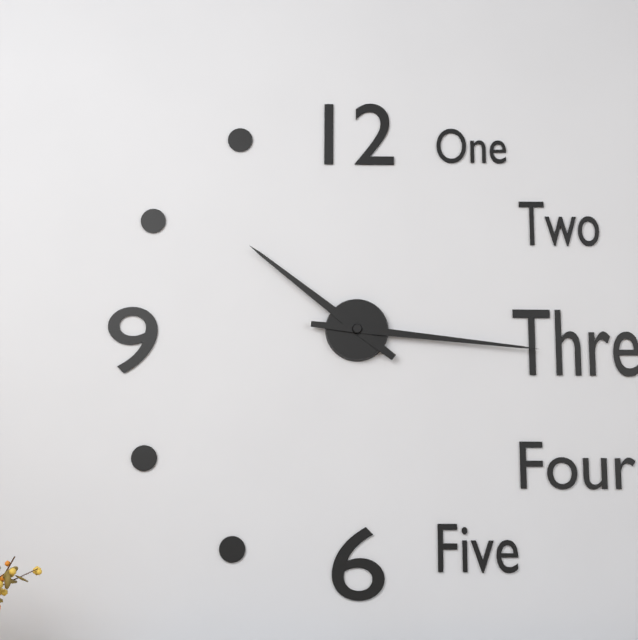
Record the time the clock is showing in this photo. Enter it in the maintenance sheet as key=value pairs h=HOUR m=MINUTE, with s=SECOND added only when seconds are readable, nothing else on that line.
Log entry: h=10 m=16
